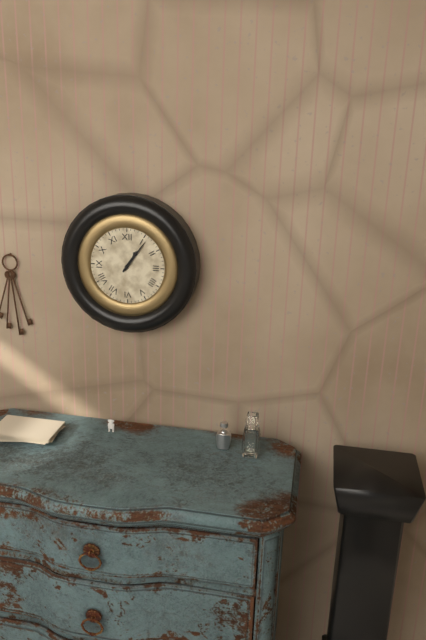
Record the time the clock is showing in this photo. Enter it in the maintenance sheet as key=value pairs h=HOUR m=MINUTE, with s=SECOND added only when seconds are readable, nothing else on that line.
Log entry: h=1 m=6
